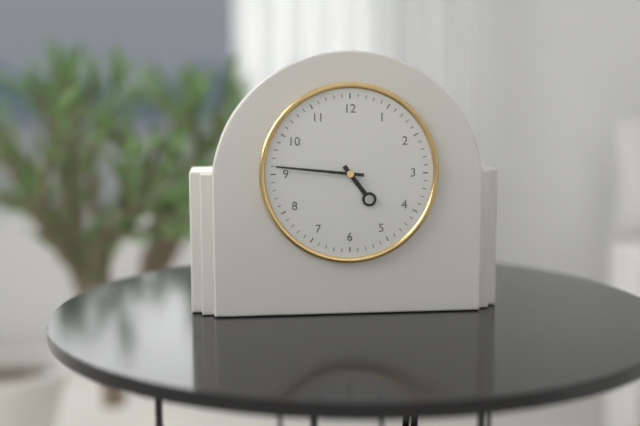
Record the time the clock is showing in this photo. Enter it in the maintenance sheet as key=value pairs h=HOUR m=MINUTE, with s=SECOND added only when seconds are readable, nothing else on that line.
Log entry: h=4 m=46
